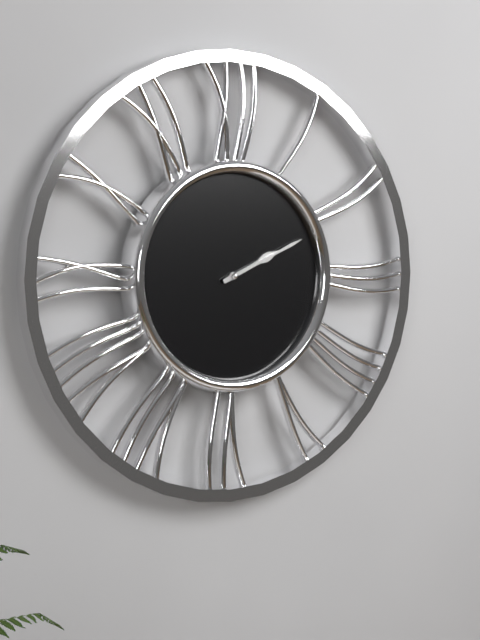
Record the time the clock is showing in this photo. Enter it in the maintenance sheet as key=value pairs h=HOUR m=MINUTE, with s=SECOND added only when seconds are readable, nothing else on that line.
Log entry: h=2 m=11
